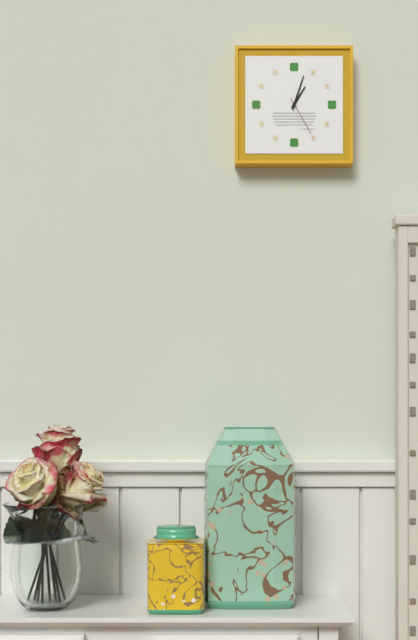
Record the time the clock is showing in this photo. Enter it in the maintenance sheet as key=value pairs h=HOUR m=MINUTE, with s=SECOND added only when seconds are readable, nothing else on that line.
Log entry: h=1 m=3
